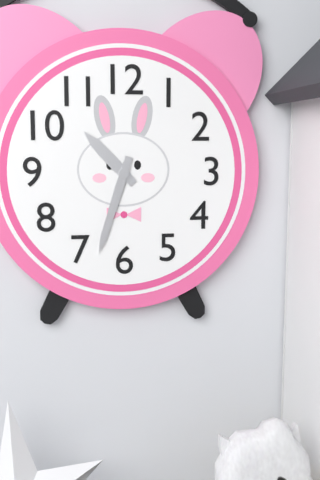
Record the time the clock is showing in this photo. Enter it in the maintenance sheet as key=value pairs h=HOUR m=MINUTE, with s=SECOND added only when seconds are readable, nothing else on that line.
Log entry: h=10 m=33
